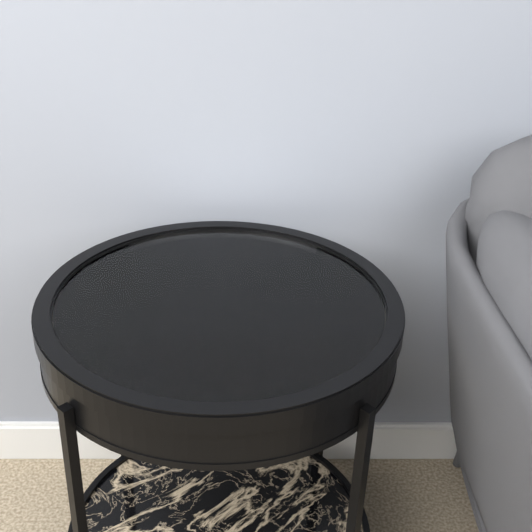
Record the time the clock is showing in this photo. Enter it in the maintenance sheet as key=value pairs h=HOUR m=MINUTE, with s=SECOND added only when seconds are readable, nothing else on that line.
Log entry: h=7 m=28
